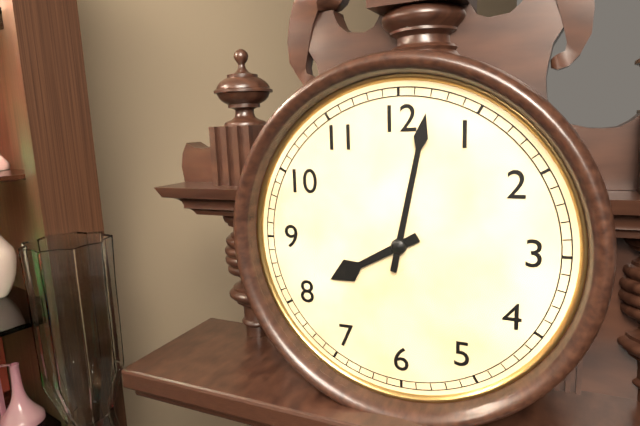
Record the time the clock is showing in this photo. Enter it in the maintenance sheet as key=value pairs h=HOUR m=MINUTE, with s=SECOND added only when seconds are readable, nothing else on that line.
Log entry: h=8 m=2
